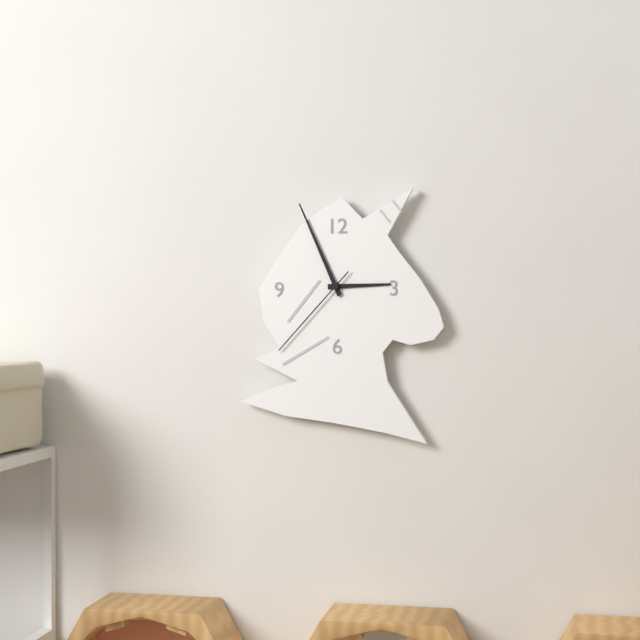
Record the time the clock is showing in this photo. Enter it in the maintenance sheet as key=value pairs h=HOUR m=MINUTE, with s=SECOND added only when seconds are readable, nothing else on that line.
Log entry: h=2 m=56 s=37
